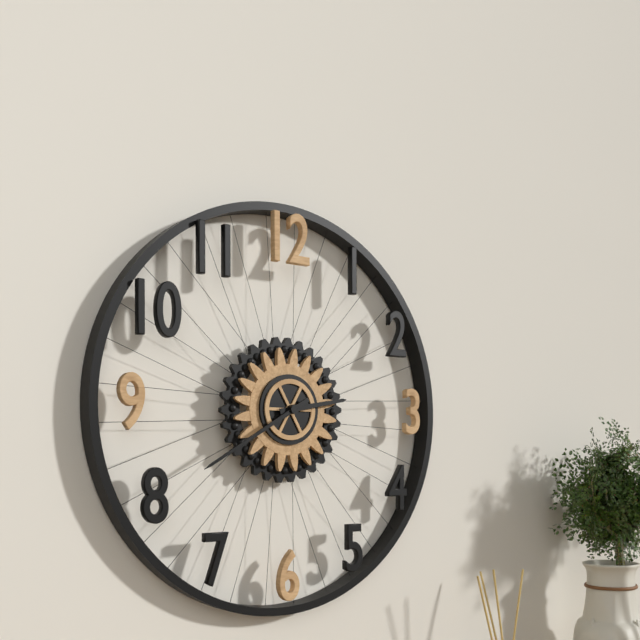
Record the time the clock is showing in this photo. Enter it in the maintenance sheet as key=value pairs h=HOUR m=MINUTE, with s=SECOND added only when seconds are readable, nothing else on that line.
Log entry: h=2 m=40
